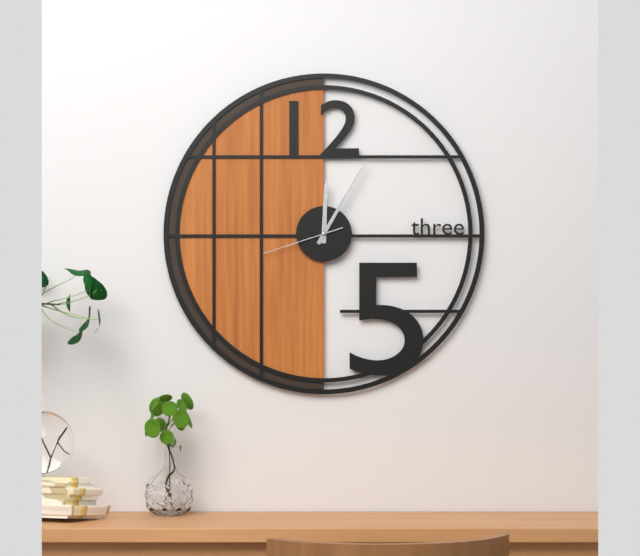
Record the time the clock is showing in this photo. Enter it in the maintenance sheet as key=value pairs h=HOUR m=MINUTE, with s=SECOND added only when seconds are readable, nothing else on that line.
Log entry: h=12 m=5 s=42
